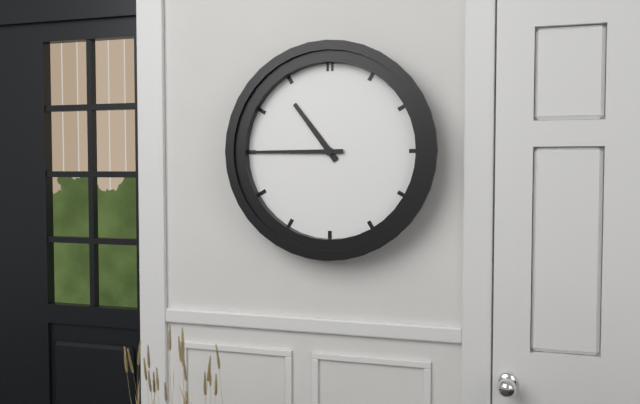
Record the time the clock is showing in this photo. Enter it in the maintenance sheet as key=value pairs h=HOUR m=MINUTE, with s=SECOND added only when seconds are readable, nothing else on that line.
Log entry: h=10 m=45
